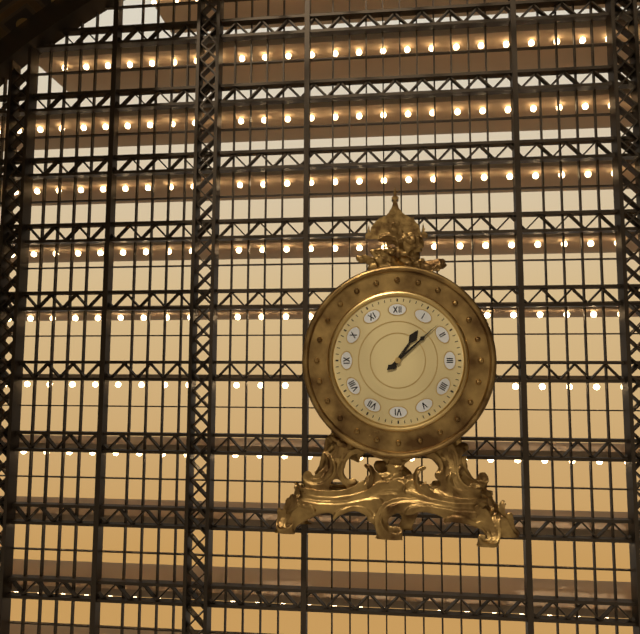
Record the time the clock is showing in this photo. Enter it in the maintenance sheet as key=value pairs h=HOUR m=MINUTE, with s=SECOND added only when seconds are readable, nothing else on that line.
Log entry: h=1 m=8
